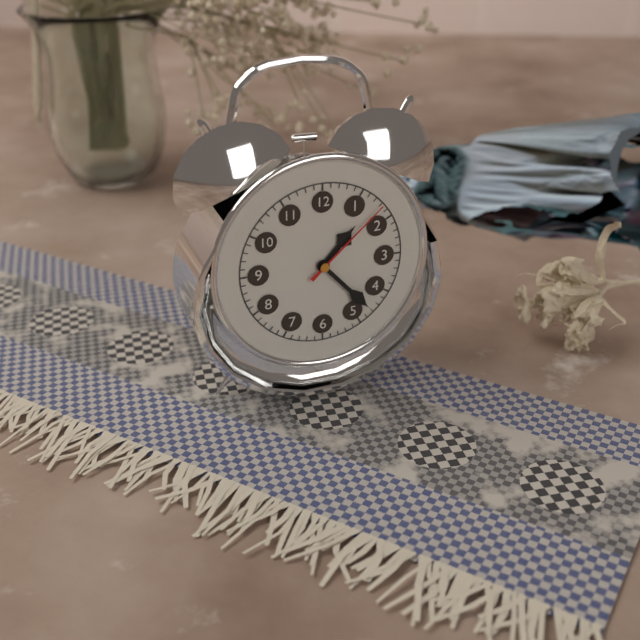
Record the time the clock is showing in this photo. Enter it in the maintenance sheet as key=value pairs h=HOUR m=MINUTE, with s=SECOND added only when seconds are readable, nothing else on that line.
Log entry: h=1 m=23 s=8
